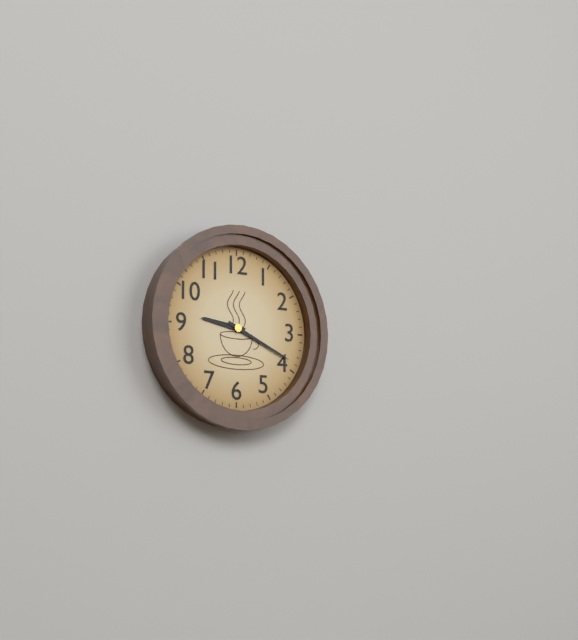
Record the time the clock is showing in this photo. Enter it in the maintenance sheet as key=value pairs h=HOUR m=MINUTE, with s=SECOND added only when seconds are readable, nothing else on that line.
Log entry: h=9 m=19
